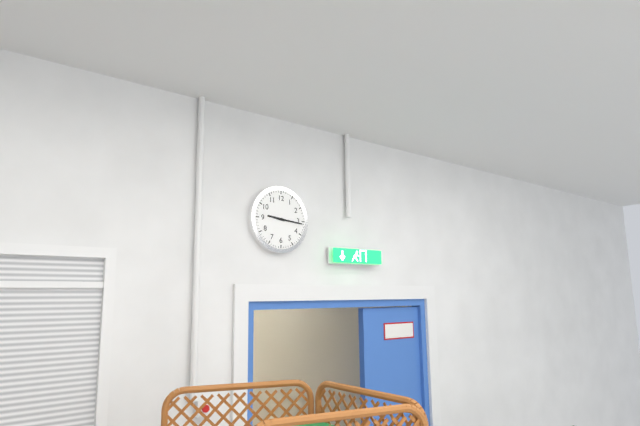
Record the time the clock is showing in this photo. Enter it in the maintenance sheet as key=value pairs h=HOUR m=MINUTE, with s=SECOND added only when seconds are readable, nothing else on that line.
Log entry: h=9 m=16
